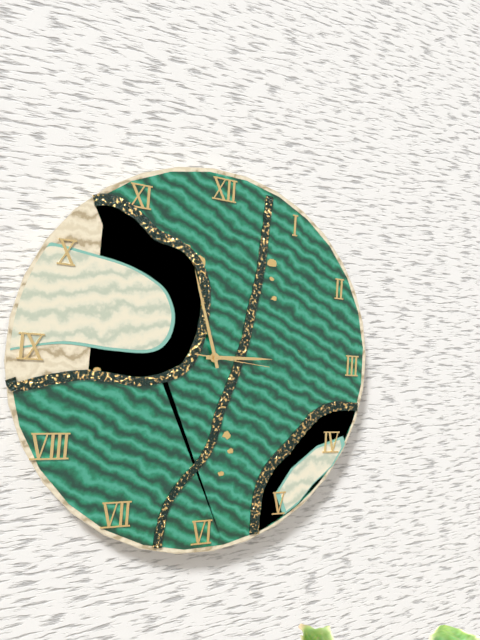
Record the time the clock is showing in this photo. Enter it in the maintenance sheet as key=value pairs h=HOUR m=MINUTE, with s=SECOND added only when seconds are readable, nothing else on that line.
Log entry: h=2 m=57 s=16
